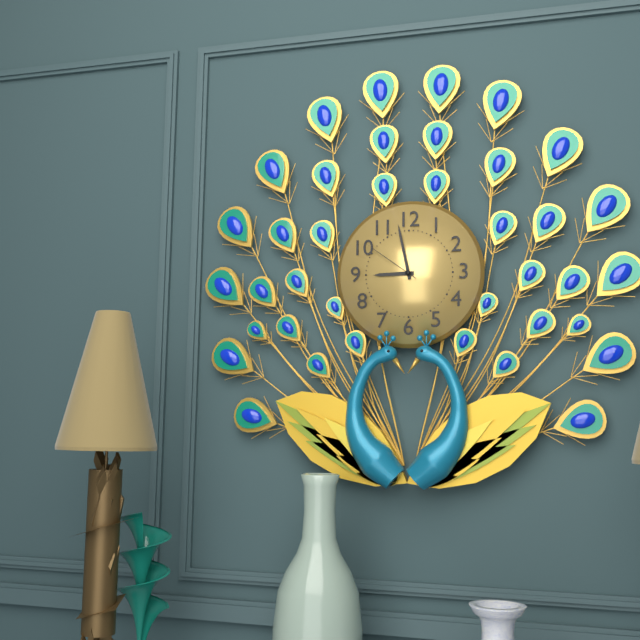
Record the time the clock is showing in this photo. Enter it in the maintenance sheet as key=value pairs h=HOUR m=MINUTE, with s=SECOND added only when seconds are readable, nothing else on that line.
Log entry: h=8 m=58 s=51
